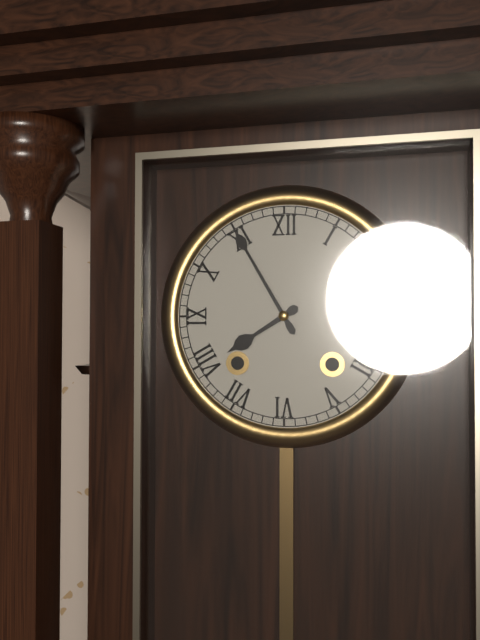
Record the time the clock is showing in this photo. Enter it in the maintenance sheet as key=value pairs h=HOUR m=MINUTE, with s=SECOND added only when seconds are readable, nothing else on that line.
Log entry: h=7 m=55
